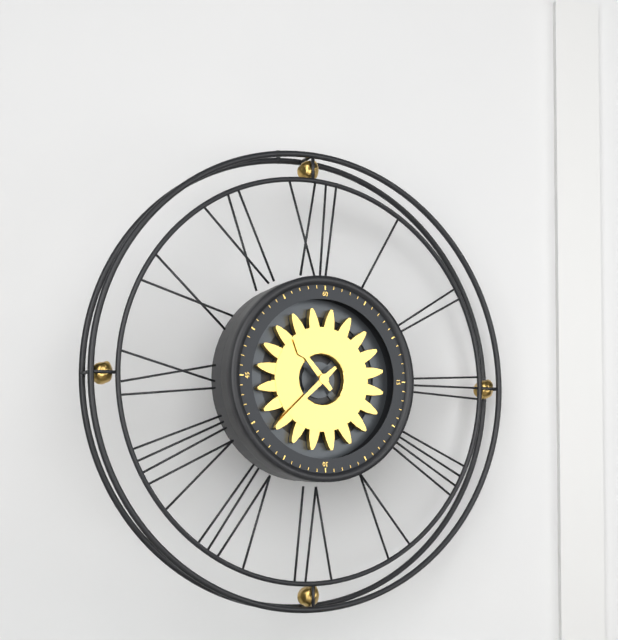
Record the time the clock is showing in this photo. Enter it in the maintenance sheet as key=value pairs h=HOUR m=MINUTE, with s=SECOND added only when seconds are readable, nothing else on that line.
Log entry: h=10 m=38
